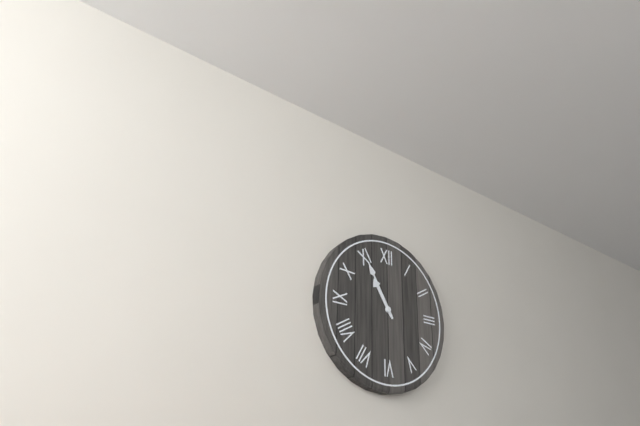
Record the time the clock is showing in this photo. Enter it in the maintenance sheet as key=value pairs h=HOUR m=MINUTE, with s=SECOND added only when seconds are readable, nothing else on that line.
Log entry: h=10 m=55
